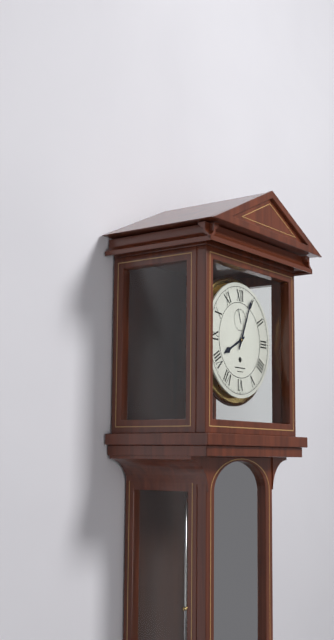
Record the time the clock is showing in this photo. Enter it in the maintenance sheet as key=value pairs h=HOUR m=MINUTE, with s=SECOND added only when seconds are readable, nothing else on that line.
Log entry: h=8 m=4
